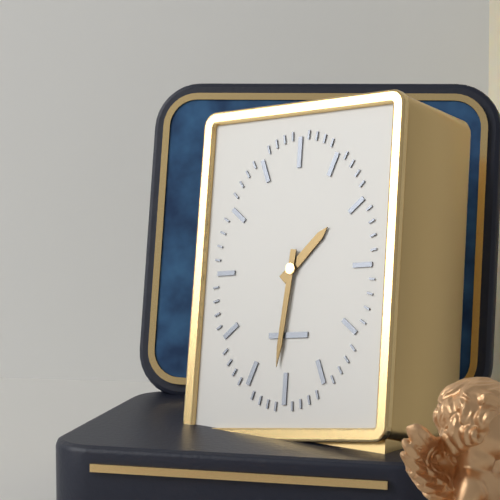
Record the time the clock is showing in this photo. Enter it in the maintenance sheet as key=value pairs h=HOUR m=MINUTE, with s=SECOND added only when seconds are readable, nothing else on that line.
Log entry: h=1 m=31
